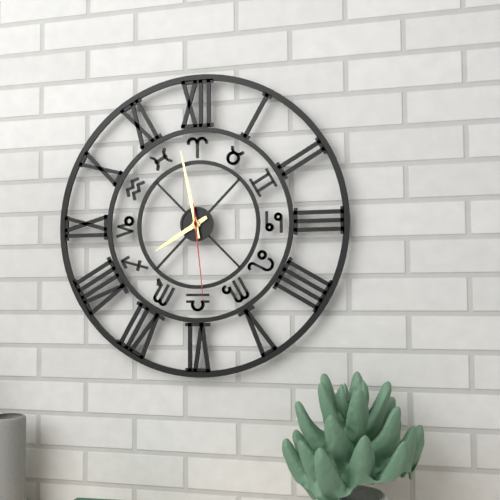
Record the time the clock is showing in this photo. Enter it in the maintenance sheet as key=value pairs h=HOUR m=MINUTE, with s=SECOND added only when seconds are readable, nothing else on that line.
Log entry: h=7 m=58 s=29
